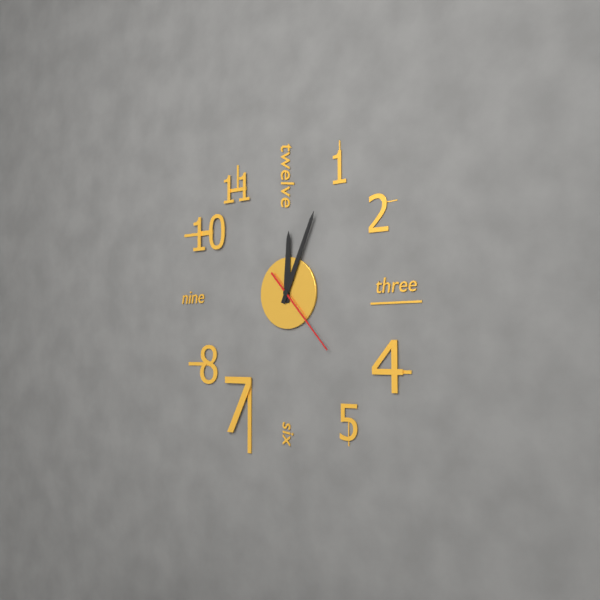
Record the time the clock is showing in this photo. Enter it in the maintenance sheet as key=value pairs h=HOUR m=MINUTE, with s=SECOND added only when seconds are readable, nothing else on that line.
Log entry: h=12 m=4 s=23
